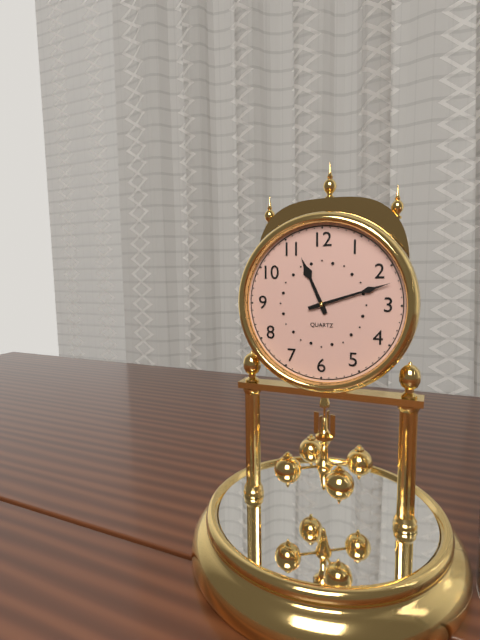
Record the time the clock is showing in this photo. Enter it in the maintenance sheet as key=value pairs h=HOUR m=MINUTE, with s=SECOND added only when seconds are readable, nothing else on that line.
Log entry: h=11 m=12
